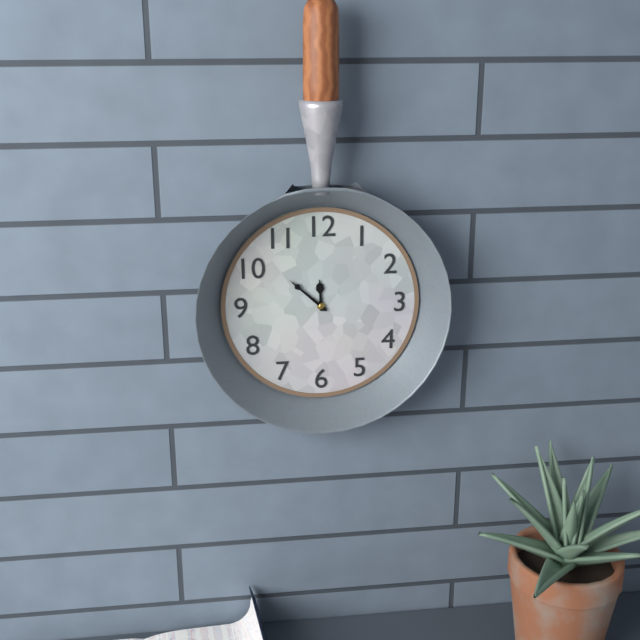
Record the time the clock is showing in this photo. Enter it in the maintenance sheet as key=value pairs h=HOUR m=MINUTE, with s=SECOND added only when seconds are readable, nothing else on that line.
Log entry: h=11 m=52
